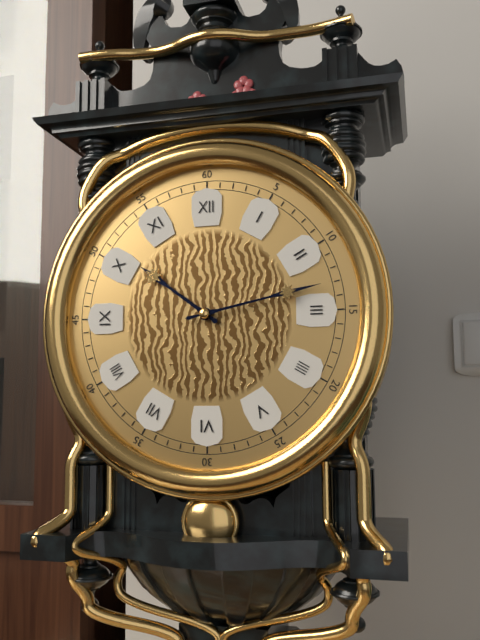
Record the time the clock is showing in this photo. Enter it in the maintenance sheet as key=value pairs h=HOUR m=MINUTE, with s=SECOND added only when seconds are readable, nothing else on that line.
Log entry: h=10 m=13
